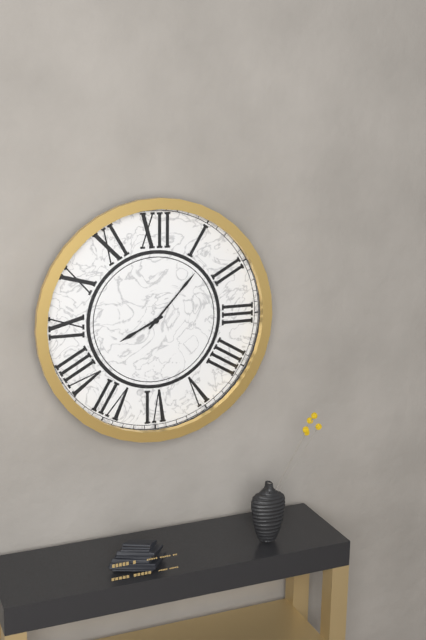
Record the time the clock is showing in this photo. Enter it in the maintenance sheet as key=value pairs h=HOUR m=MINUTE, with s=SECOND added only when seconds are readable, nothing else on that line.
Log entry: h=8 m=7
